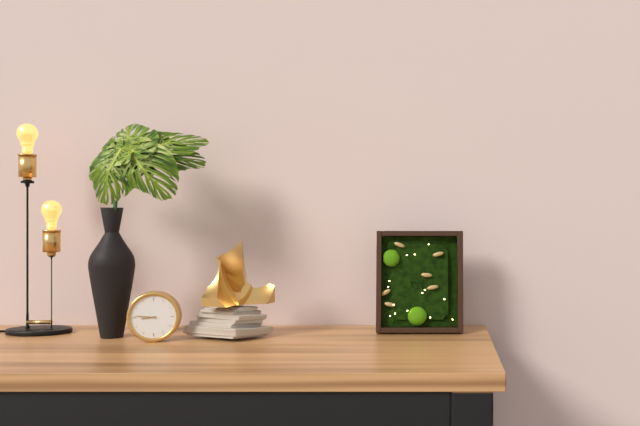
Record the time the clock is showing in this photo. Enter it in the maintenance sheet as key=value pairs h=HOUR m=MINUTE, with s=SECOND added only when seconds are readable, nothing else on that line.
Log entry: h=8 m=46
